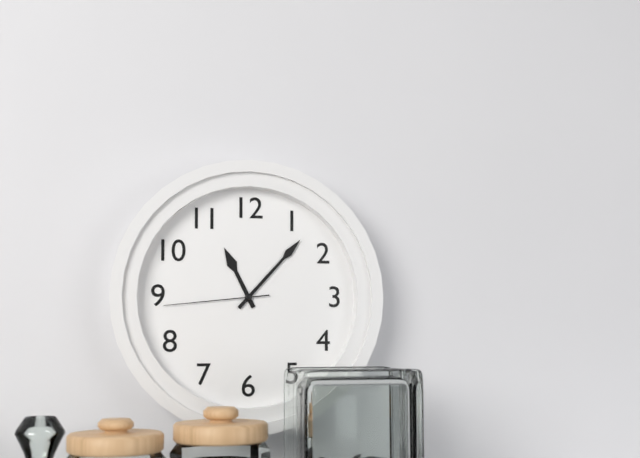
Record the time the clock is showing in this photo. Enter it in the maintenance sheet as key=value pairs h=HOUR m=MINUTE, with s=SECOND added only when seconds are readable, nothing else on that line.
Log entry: h=11 m=7 s=44
